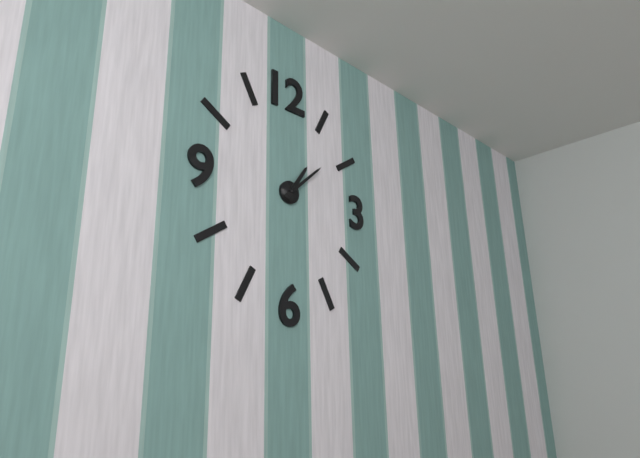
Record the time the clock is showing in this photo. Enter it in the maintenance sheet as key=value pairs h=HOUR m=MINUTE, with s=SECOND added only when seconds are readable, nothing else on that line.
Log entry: h=1 m=8
